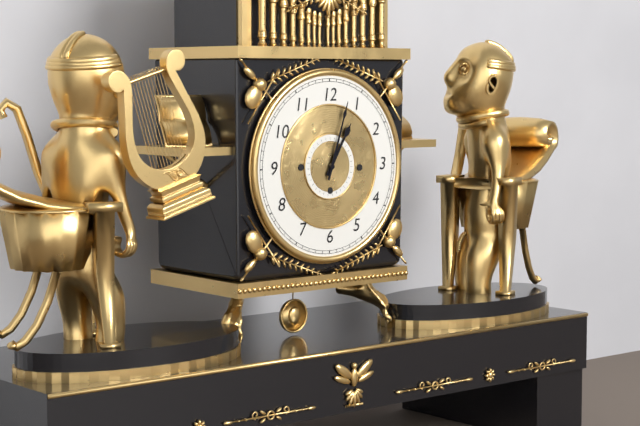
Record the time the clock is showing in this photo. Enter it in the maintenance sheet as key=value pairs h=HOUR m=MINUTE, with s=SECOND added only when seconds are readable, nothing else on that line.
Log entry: h=1 m=3
